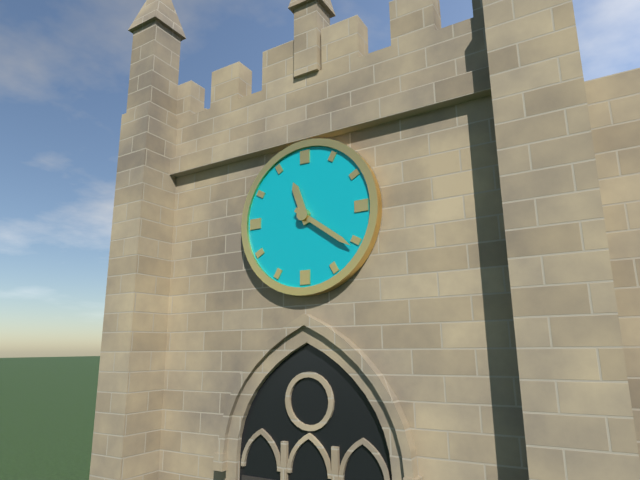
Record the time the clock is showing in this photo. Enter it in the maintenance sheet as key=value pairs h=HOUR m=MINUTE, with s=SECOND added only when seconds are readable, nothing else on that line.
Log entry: h=11 m=21
